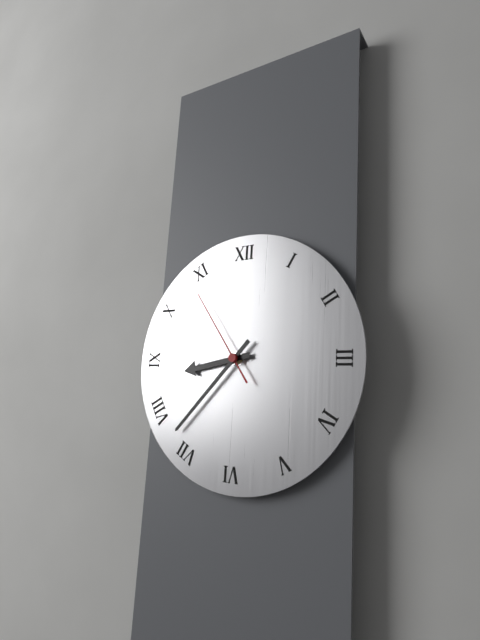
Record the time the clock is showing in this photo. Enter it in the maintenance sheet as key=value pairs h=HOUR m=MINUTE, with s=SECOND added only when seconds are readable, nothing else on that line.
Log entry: h=8 m=37 s=54
